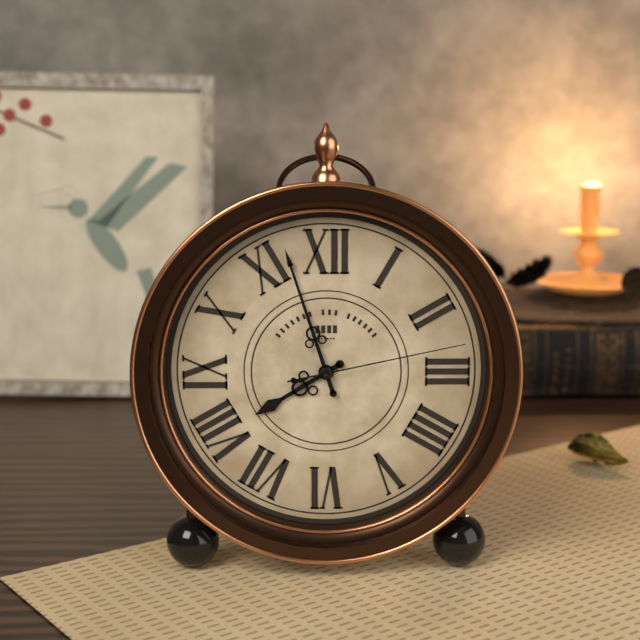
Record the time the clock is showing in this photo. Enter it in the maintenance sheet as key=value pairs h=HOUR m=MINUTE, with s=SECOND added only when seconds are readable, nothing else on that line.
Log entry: h=7 m=57 s=13
